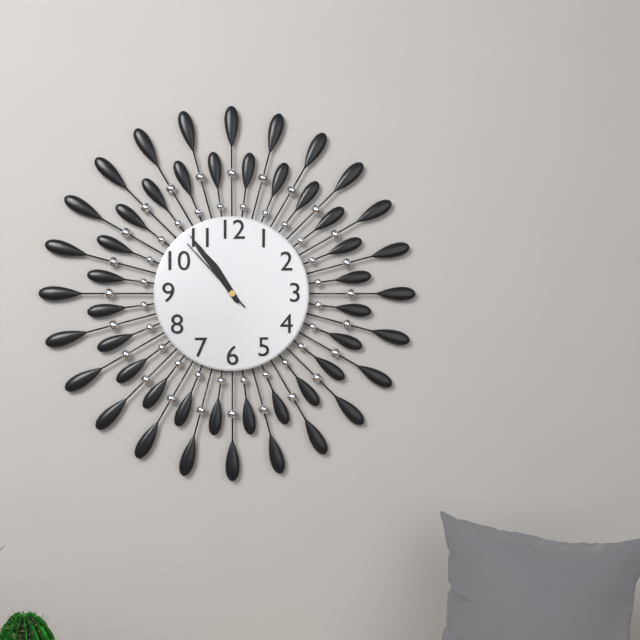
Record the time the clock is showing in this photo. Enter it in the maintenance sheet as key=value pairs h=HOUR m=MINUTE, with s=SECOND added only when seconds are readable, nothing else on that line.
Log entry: h=10 m=54 s=53
